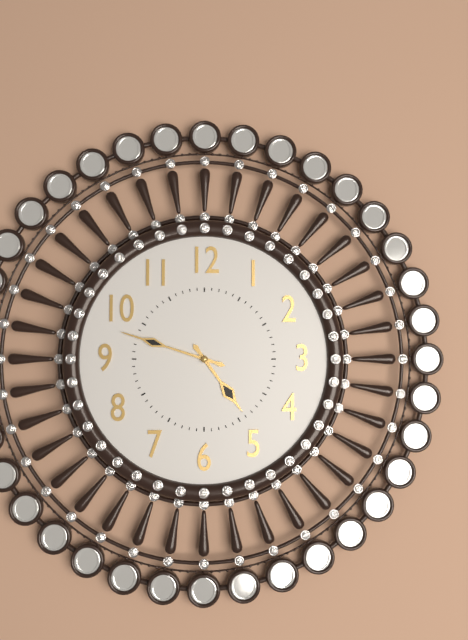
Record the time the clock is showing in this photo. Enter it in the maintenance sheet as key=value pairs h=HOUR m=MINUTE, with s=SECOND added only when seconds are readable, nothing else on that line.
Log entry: h=4 m=48
